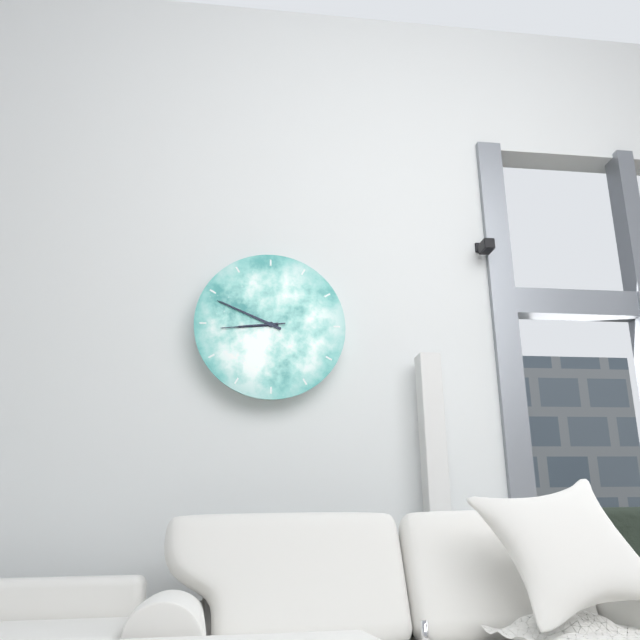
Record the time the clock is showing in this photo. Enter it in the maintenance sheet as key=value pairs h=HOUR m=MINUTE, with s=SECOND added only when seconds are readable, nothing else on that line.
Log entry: h=8 m=49 s=44
